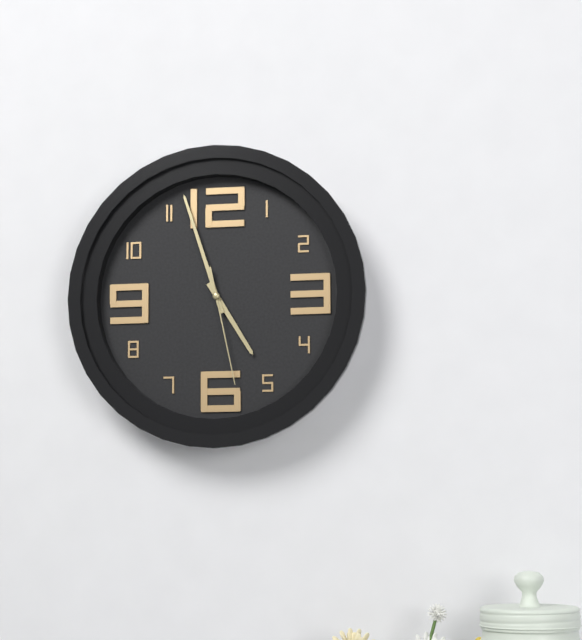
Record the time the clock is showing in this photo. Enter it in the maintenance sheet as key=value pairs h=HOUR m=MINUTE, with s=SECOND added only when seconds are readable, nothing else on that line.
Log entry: h=4 m=57 s=28
